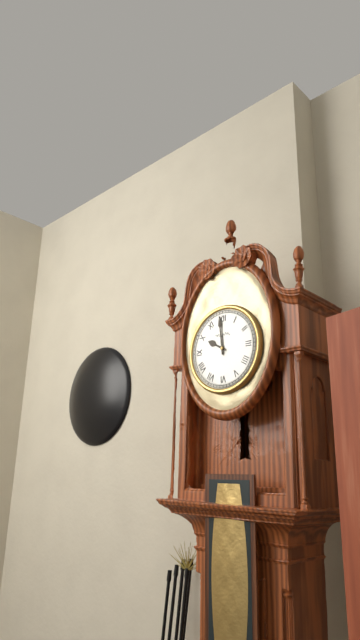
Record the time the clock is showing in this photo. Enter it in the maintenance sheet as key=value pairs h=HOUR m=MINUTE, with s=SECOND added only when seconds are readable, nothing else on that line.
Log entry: h=9 m=59
